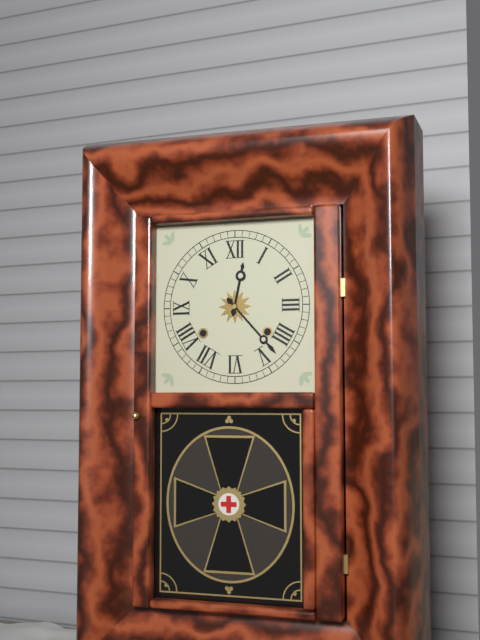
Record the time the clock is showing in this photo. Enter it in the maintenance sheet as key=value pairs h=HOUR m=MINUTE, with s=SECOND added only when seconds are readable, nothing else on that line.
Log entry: h=12 m=23
